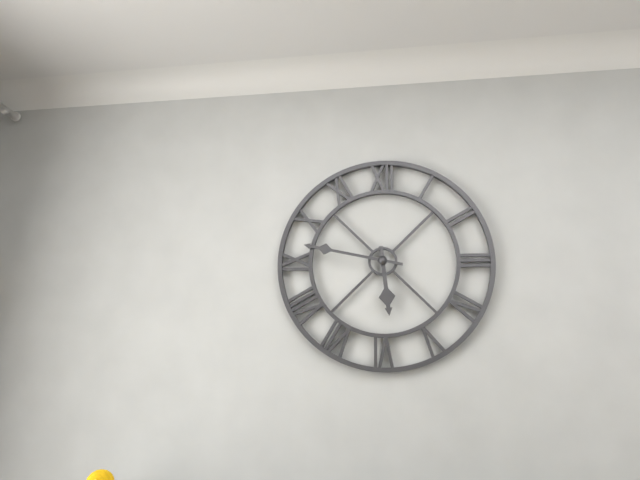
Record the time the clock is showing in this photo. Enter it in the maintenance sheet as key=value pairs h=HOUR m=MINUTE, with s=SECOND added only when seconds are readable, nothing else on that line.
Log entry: h=5 m=47
